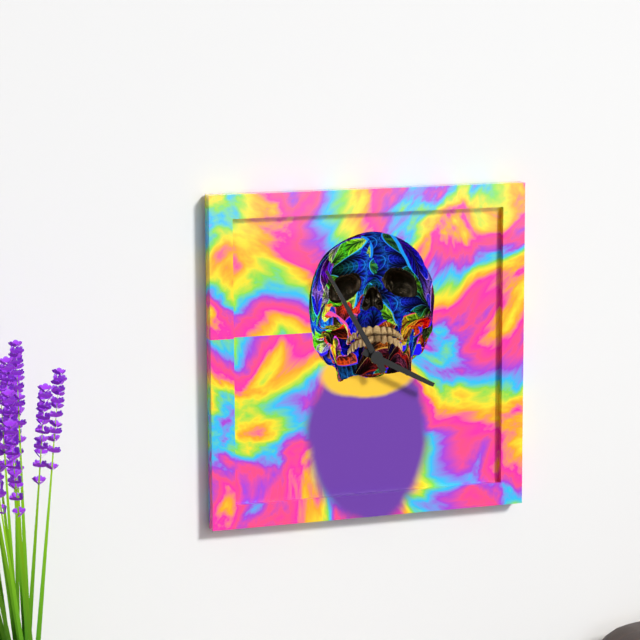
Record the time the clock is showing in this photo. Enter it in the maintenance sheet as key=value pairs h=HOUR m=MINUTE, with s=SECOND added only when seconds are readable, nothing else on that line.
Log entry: h=3 m=55
